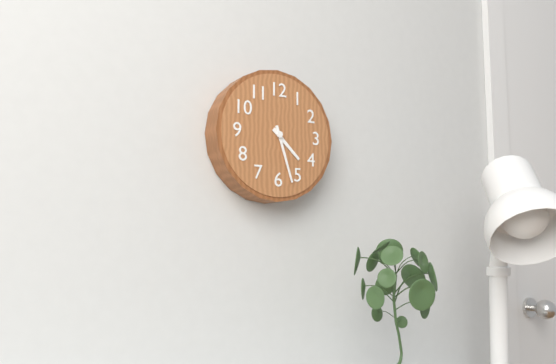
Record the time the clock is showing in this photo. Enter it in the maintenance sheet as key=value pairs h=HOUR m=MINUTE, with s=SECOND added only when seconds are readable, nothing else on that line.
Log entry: h=4 m=27
